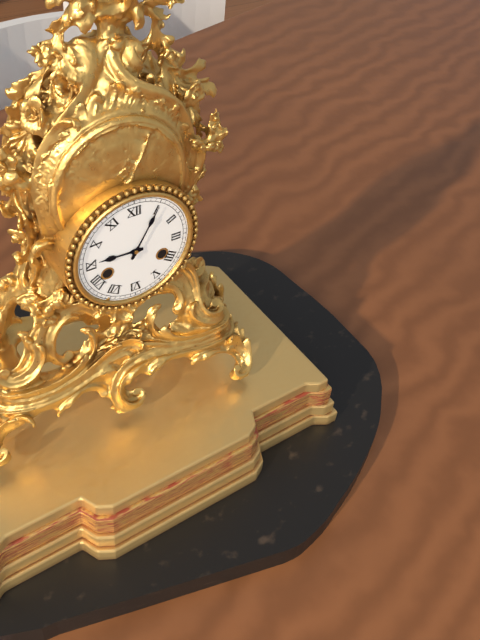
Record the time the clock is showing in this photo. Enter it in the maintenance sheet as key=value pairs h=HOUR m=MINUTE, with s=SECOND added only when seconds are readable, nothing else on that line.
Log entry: h=9 m=5
